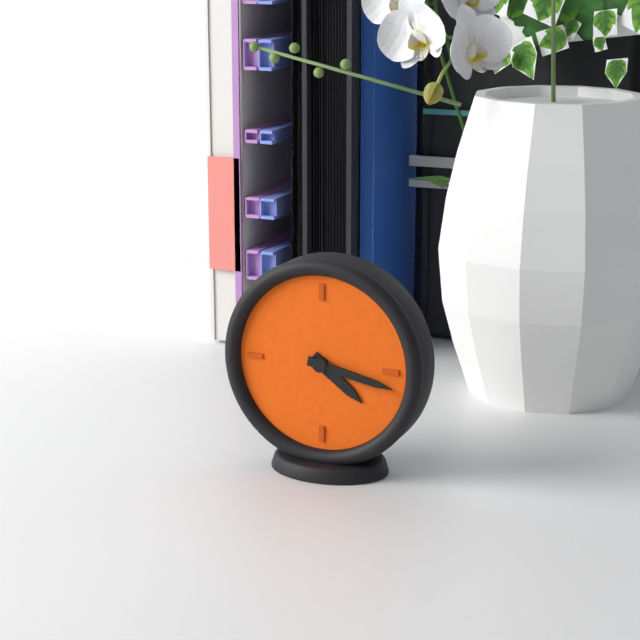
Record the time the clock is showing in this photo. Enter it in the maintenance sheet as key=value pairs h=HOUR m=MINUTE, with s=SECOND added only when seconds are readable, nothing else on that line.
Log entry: h=4 m=17
